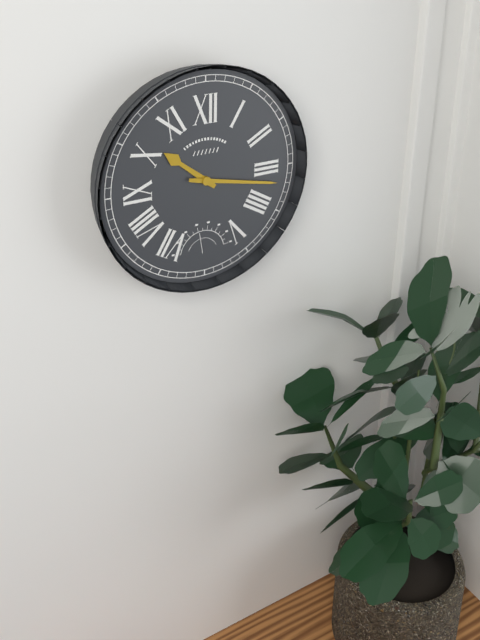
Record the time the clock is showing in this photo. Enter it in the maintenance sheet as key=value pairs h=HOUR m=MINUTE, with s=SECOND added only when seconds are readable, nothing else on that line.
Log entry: h=10 m=17
